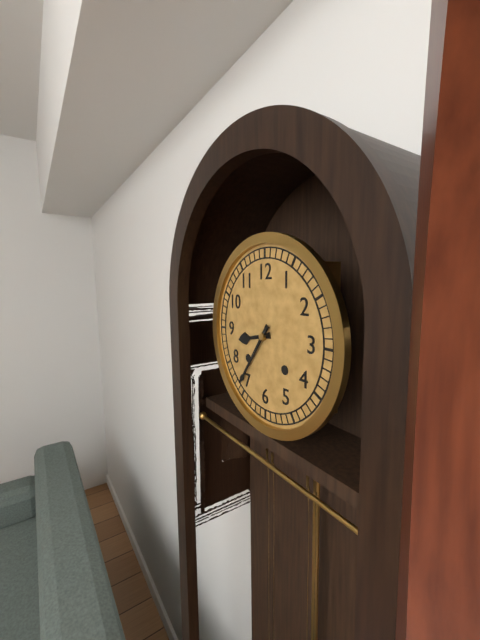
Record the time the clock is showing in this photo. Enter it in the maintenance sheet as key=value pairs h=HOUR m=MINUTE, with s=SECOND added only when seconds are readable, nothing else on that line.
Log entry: h=8 m=36
